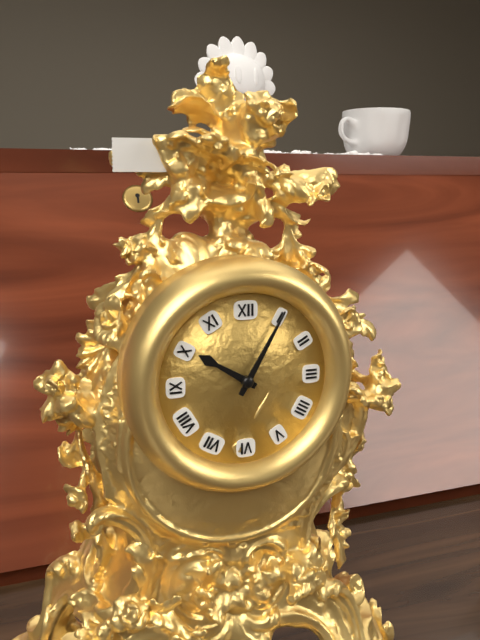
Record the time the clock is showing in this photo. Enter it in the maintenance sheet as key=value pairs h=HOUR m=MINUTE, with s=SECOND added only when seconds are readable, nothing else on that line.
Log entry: h=10 m=5
